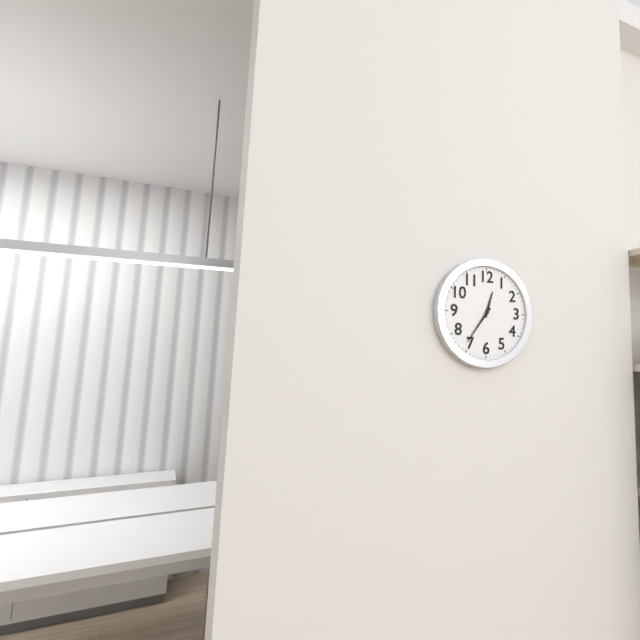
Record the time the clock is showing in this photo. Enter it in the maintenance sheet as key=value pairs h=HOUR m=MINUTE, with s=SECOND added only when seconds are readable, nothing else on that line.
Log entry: h=12 m=36
